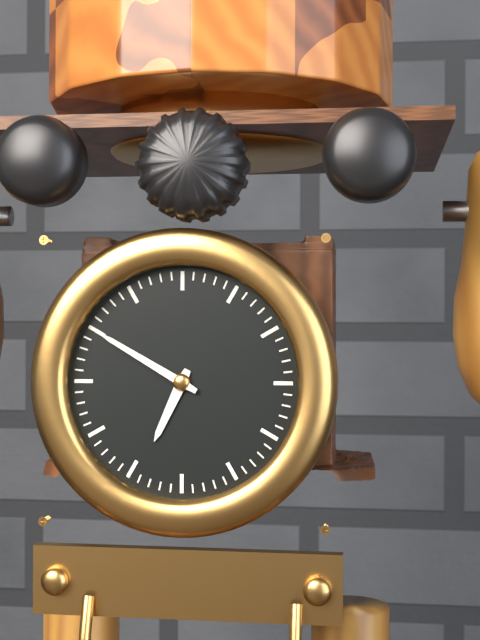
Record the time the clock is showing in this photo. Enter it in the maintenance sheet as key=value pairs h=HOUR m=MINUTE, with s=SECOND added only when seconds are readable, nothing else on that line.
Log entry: h=6 m=50
